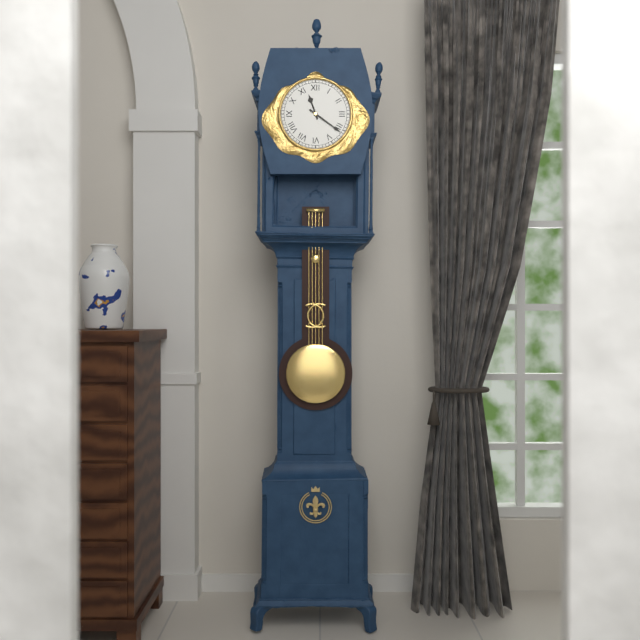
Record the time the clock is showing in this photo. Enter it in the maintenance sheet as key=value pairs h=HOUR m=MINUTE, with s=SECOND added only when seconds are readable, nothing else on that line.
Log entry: h=11 m=21
